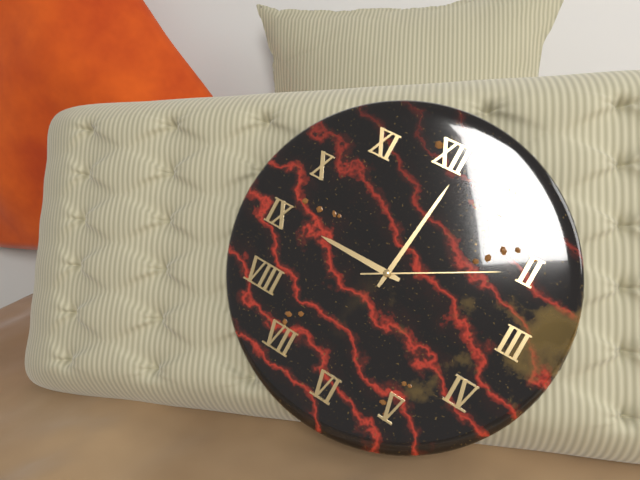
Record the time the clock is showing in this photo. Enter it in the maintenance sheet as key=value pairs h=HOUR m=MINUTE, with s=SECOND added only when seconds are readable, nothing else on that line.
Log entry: h=9 m=1 s=10
